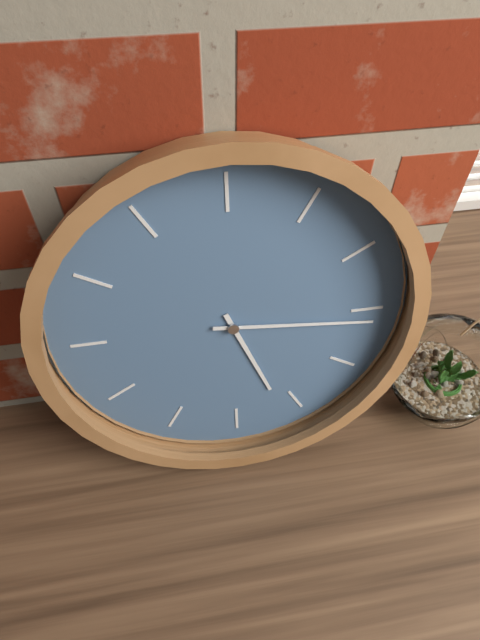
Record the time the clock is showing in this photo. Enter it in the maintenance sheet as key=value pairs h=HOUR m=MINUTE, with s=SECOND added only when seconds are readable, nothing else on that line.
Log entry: h=5 m=16
